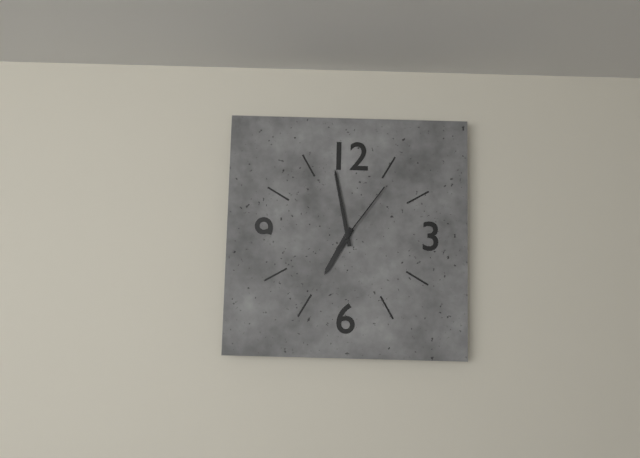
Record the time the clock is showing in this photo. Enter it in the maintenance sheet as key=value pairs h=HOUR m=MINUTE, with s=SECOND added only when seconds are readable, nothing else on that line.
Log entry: h=6 m=58 s=6
